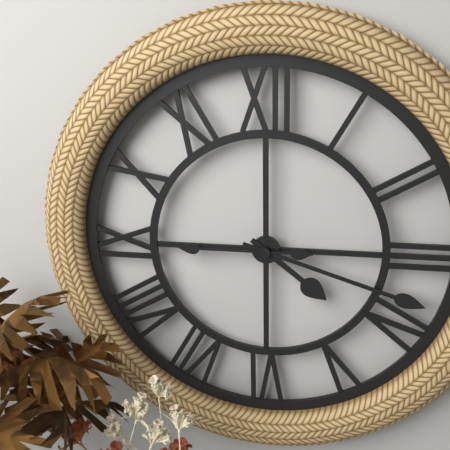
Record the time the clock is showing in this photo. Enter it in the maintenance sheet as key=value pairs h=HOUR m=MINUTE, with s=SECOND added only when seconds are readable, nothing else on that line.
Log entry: h=4 m=18 s=45
